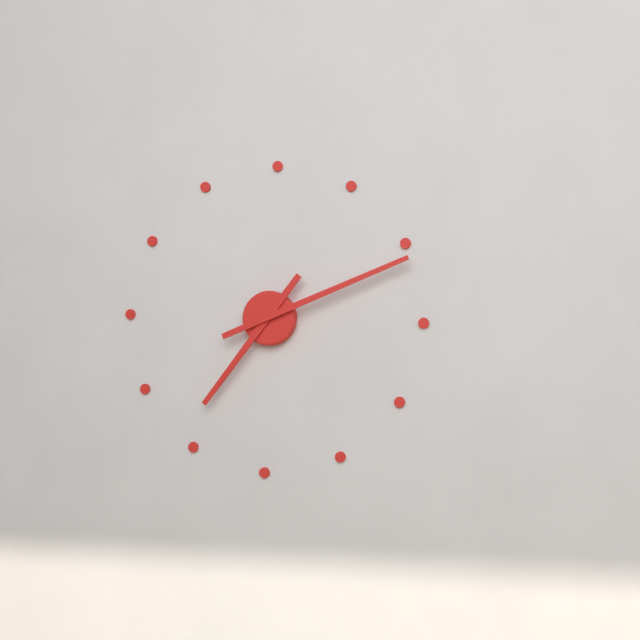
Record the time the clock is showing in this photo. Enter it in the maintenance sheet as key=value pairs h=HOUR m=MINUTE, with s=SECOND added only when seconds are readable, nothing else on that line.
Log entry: h=7 m=11
